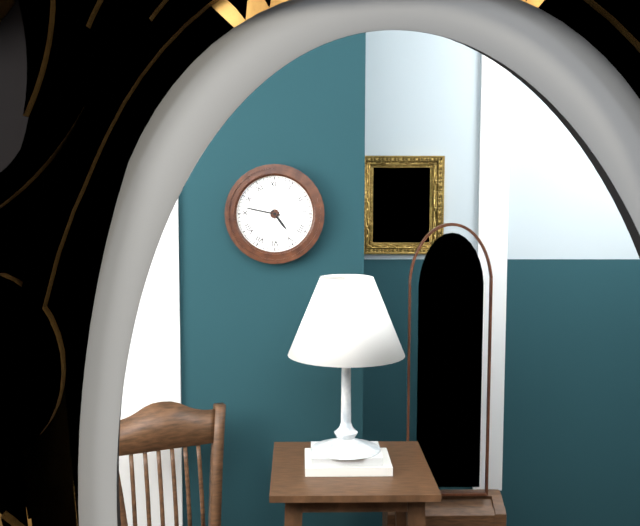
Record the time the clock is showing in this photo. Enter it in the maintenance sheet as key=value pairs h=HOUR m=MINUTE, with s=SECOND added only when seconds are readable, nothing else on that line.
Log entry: h=4 m=47
